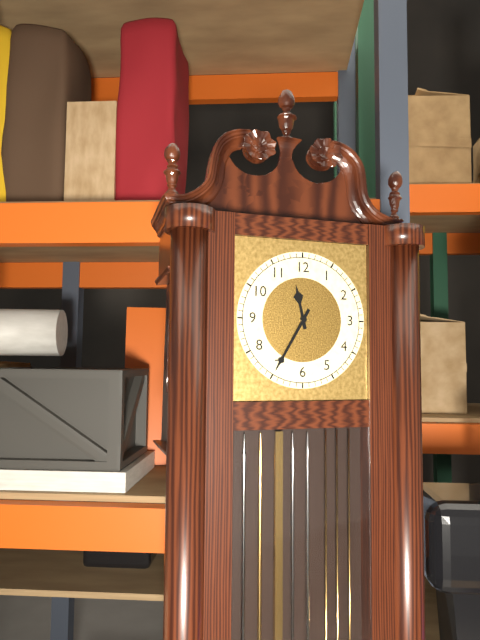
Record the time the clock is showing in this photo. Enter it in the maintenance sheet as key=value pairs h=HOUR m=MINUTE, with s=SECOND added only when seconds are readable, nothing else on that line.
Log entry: h=11 m=35
